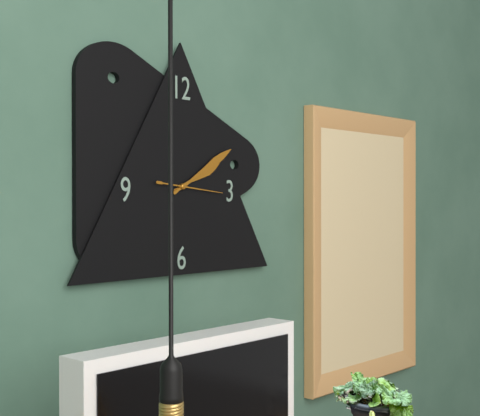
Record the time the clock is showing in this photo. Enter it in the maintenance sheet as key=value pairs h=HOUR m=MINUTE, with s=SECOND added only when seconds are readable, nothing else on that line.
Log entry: h=2 m=10 s=16
